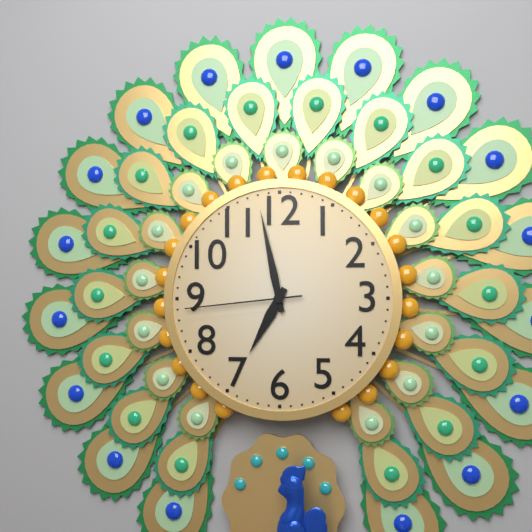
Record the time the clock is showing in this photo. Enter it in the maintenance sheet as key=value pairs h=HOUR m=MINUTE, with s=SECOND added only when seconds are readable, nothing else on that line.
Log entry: h=6 m=58 s=44
